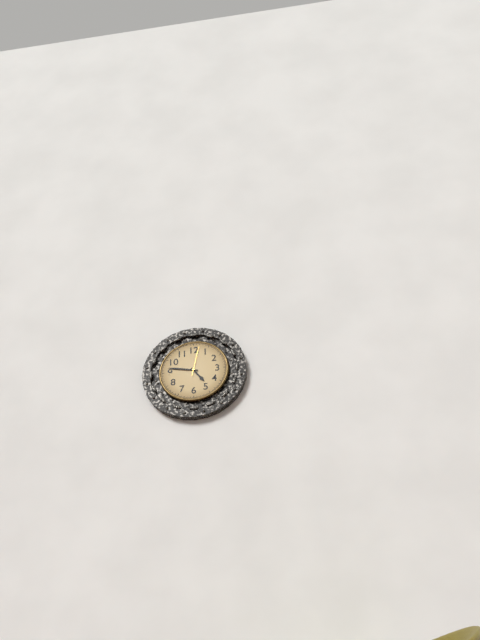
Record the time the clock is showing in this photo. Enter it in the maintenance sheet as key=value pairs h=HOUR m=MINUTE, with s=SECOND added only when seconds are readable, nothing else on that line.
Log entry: h=4 m=47
